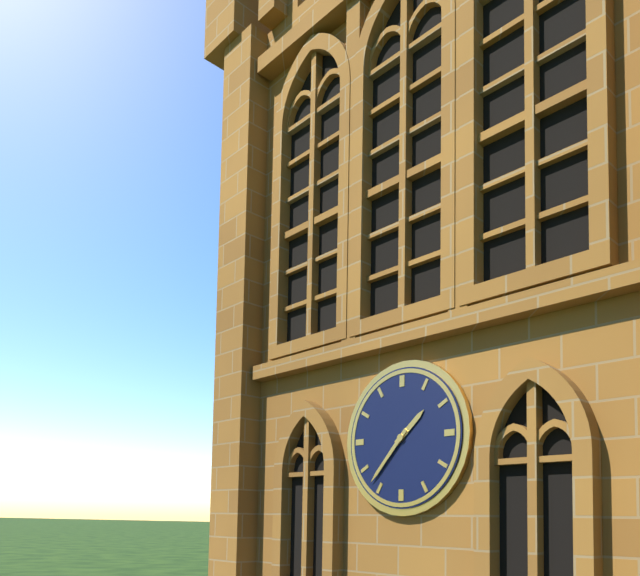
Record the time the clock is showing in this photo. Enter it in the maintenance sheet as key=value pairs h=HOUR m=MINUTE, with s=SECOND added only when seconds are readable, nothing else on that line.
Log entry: h=1 m=37
